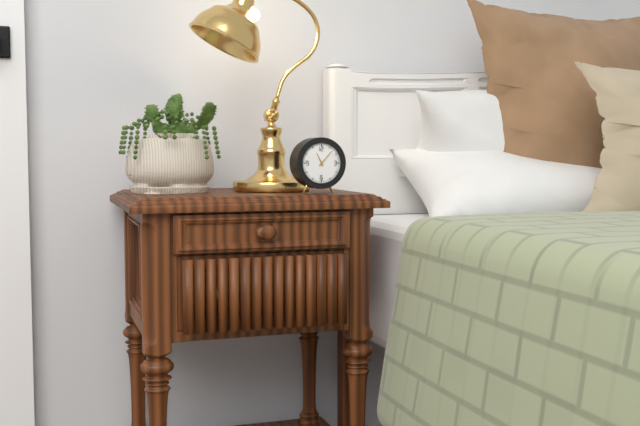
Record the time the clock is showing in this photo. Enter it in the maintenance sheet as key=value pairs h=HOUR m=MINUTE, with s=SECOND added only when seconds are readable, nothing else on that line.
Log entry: h=11 m=7
